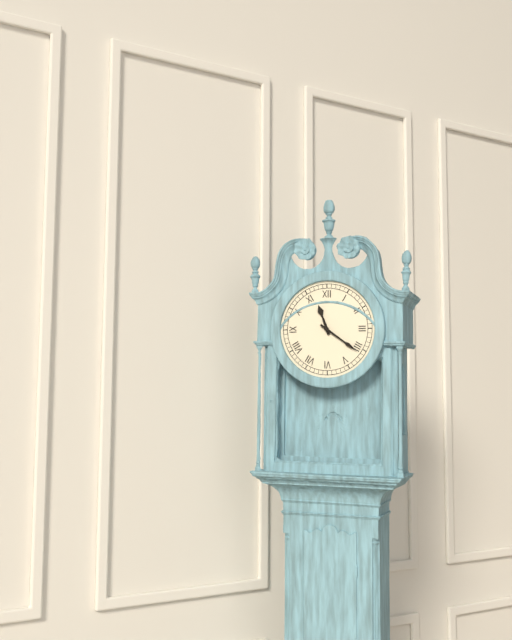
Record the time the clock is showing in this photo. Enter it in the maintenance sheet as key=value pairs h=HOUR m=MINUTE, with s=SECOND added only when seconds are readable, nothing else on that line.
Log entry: h=11 m=21
